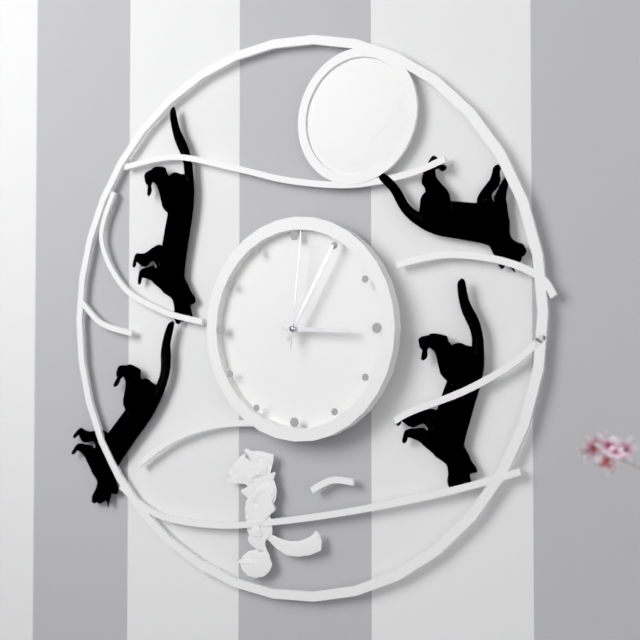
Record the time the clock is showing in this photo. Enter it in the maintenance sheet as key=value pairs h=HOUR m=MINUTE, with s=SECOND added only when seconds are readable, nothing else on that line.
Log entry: h=3 m=5 s=1
